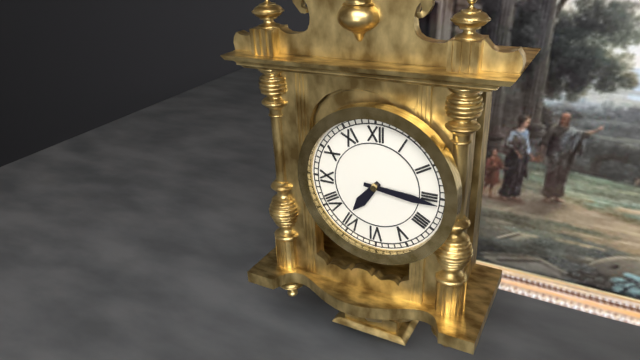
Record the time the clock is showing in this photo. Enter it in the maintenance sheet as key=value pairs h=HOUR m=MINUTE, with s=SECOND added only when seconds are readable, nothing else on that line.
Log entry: h=7 m=16
